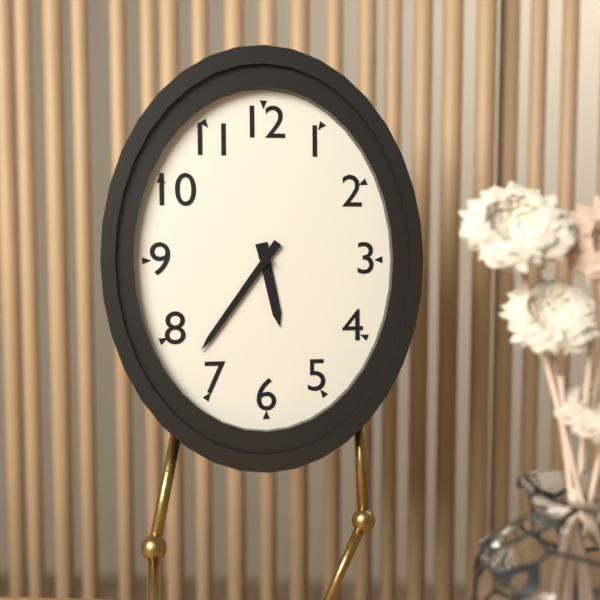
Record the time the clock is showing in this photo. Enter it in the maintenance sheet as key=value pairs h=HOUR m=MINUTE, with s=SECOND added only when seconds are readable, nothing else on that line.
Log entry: h=5 m=36
